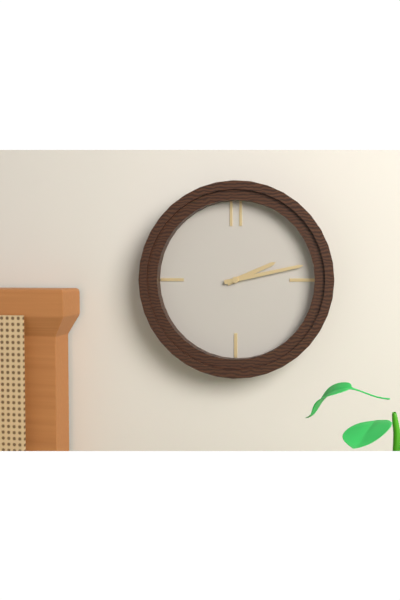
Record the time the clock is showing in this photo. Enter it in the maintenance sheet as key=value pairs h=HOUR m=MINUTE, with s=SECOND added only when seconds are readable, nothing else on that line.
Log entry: h=2 m=13
